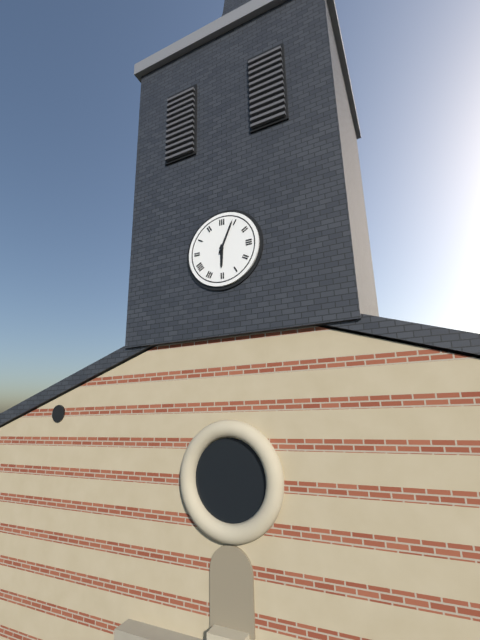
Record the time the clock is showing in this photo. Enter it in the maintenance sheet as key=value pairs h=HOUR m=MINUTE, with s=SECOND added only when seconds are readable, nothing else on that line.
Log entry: h=6 m=4
